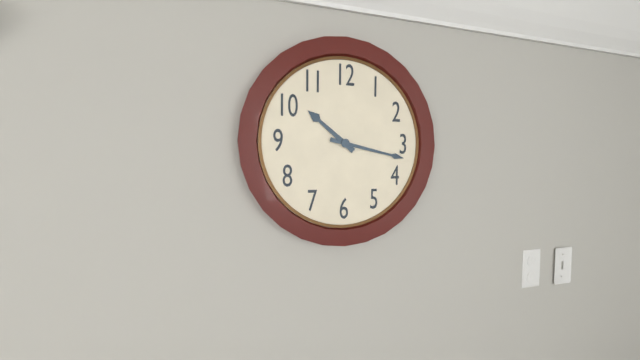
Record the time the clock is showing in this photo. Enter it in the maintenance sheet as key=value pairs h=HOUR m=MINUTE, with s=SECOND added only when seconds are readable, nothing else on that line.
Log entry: h=10 m=17
